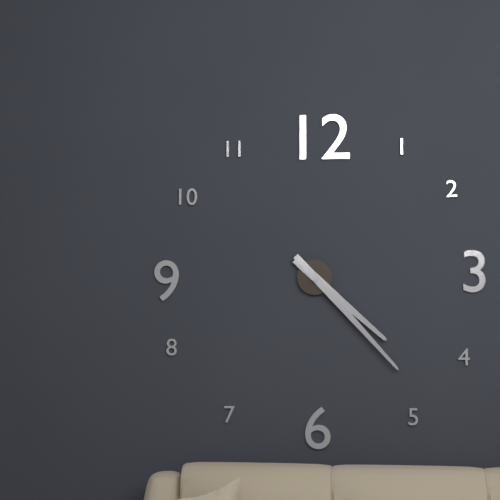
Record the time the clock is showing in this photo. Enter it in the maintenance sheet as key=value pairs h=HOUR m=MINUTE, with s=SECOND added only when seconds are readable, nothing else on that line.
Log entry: h=4 m=23
